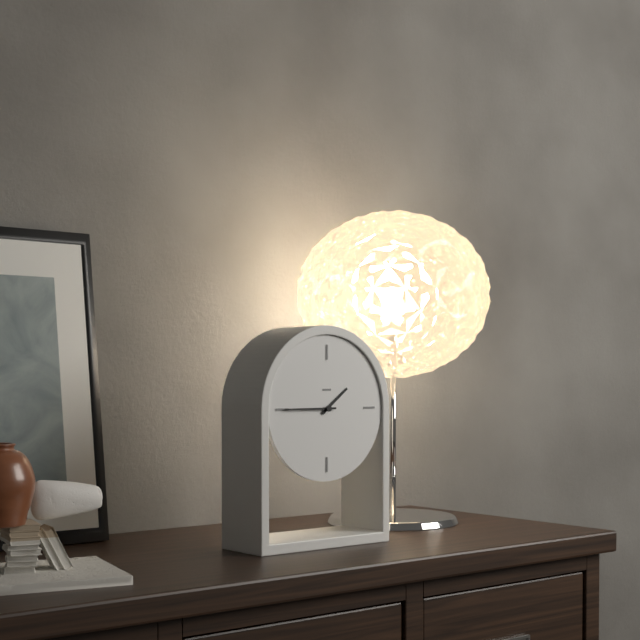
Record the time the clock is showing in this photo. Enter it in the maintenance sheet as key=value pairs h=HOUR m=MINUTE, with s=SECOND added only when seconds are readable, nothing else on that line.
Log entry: h=1 m=45
